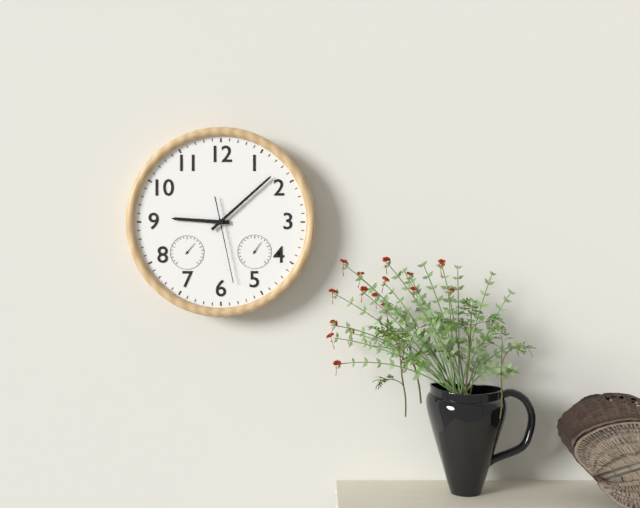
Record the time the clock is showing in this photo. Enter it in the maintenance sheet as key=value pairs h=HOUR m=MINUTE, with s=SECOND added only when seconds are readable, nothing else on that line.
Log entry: h=9 m=8 s=28
